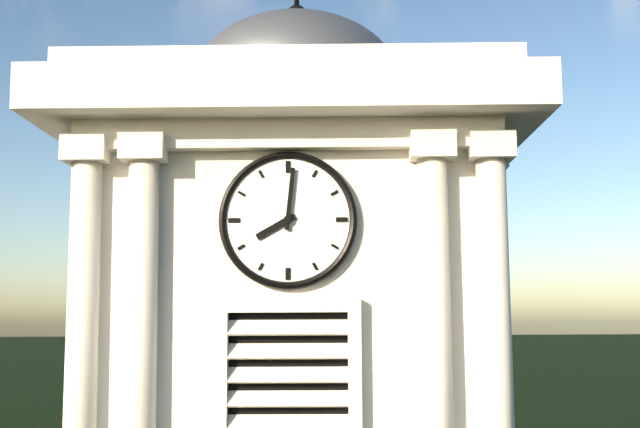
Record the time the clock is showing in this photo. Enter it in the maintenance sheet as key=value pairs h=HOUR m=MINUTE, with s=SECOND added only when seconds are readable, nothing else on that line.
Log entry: h=8 m=1
